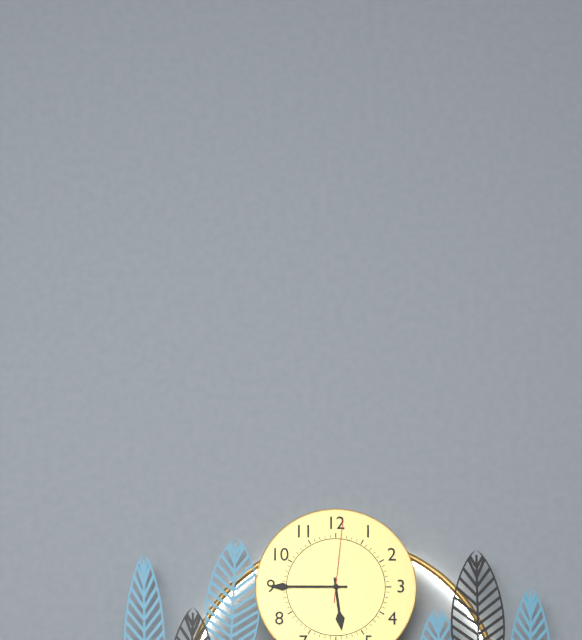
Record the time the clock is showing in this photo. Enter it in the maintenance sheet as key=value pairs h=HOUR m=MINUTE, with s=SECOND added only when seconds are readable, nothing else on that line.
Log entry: h=5 m=45 s=1
